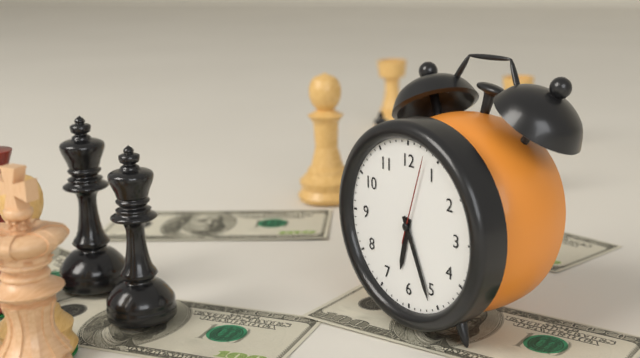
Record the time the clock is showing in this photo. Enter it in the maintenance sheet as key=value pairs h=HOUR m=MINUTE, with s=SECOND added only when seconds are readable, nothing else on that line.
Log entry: h=6 m=26 s=3
